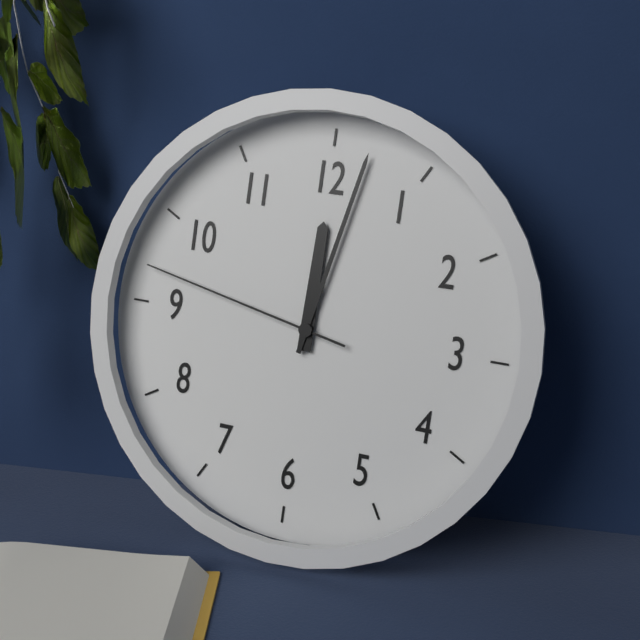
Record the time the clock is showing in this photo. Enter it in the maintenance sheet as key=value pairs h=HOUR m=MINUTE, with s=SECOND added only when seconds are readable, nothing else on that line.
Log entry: h=12 m=2 s=47
